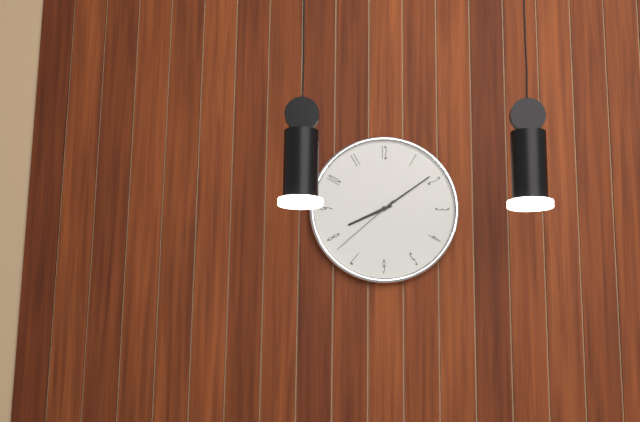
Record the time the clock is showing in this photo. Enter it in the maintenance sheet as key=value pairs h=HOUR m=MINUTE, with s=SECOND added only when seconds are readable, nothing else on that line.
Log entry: h=8 m=9 s=38
